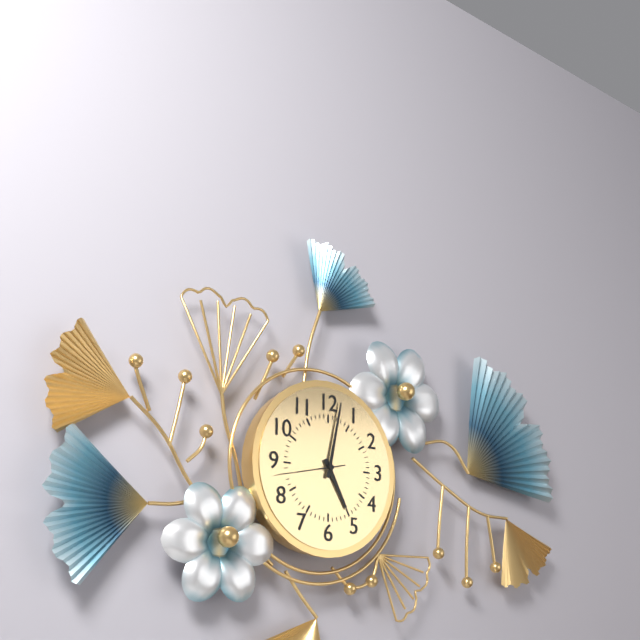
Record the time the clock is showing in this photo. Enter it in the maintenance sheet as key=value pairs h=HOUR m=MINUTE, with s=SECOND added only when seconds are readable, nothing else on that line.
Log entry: h=5 m=2 s=43
